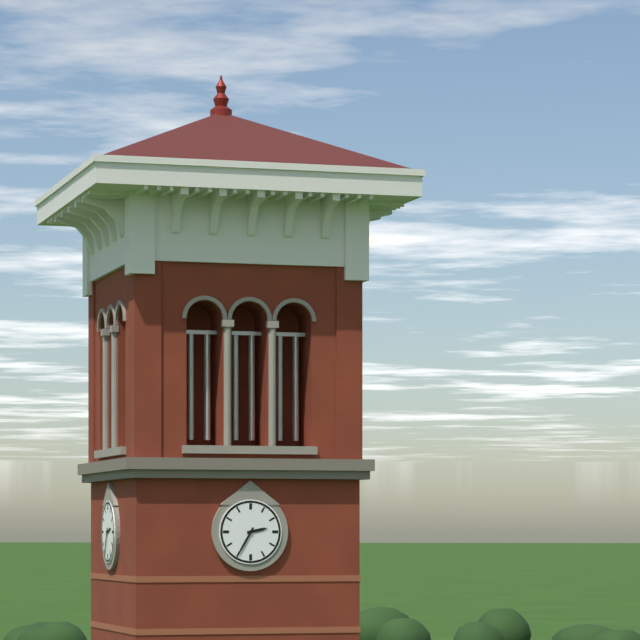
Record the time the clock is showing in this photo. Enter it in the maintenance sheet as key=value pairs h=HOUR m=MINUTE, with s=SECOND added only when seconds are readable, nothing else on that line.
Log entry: h=2 m=35
